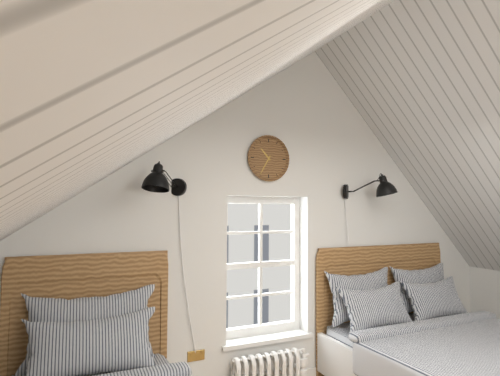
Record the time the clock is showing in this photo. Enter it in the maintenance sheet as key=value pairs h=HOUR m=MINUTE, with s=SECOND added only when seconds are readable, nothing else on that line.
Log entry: h=10 m=35
